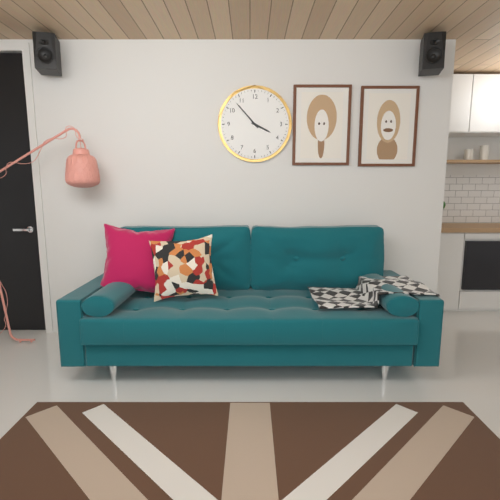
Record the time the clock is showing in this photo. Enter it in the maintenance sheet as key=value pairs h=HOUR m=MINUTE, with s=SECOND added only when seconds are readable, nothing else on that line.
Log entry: h=3 m=53
